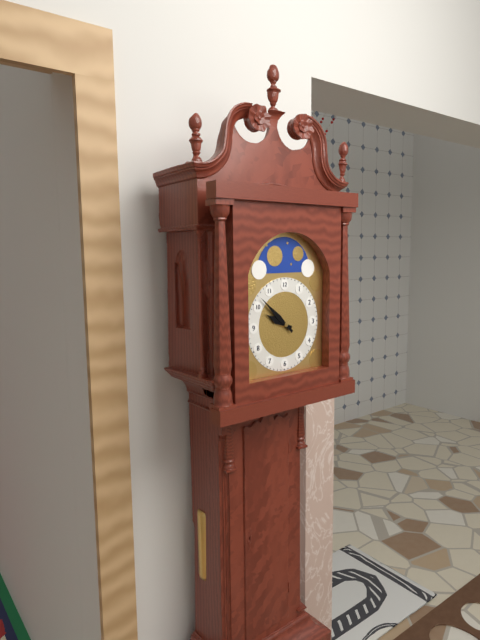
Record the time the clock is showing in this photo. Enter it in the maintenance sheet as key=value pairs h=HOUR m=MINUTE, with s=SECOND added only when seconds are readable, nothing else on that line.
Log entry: h=9 m=52
